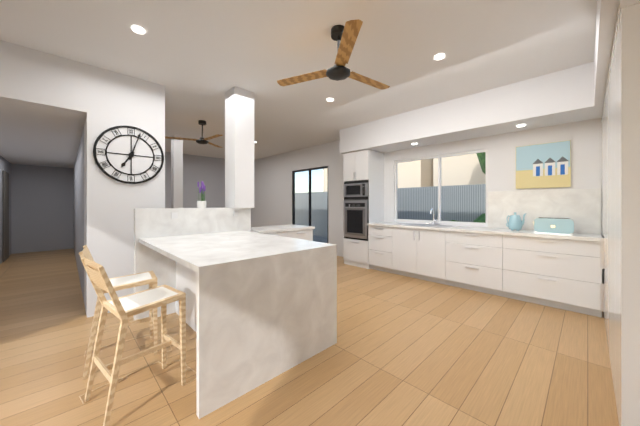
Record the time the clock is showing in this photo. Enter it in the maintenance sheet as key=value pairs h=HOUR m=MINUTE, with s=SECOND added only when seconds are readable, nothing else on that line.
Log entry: h=7 m=3
